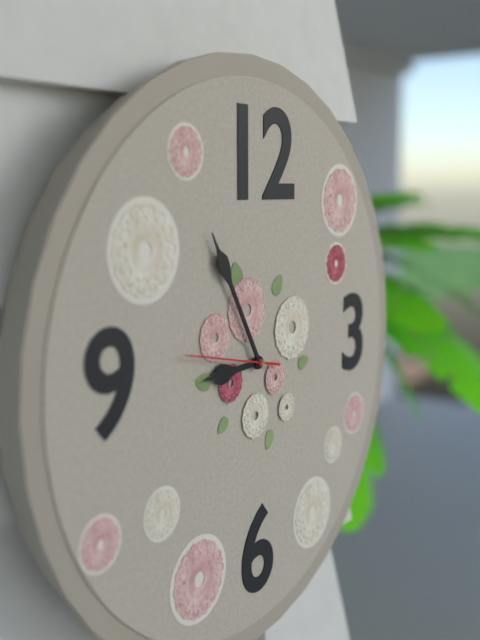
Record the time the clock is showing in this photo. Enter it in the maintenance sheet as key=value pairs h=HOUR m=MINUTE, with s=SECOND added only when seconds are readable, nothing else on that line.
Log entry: h=8 m=55 s=47
